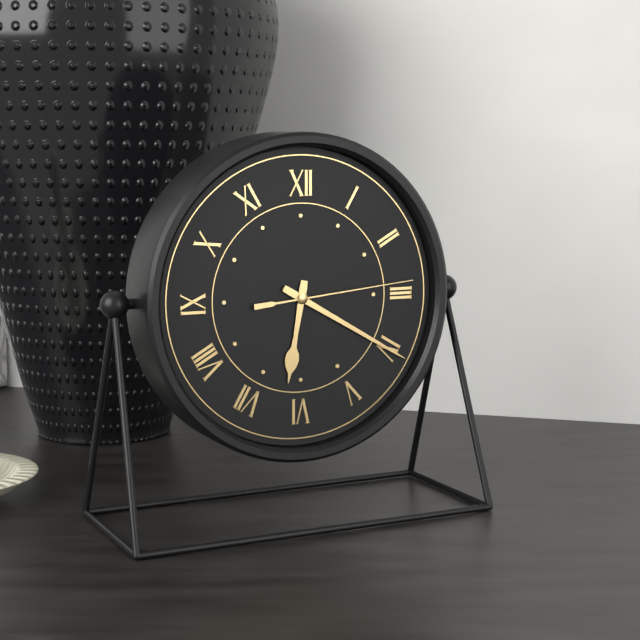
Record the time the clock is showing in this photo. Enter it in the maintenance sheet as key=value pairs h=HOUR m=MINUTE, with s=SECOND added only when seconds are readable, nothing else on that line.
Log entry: h=6 m=20 s=14
